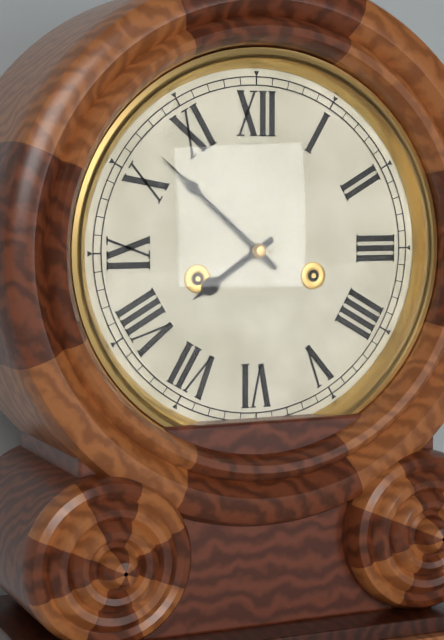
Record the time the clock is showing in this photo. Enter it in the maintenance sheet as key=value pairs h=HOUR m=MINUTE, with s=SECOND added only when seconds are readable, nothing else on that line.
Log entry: h=7 m=52
